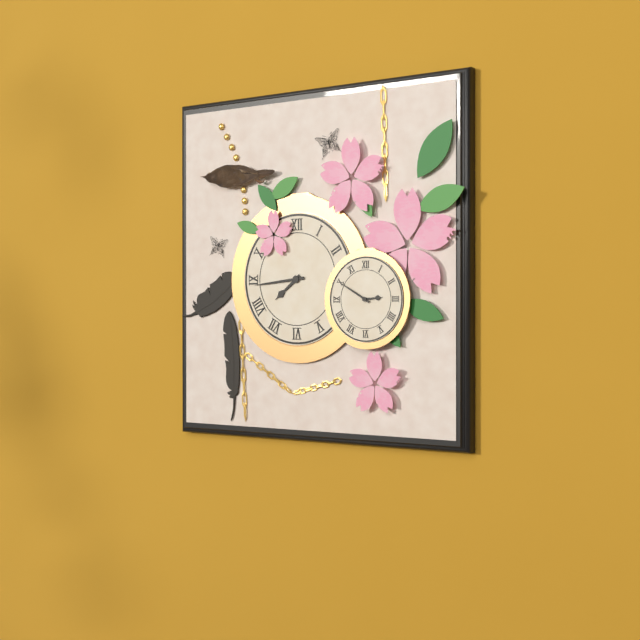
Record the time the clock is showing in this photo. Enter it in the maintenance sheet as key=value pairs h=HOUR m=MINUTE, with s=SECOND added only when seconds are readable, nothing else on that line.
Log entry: h=7 m=44
